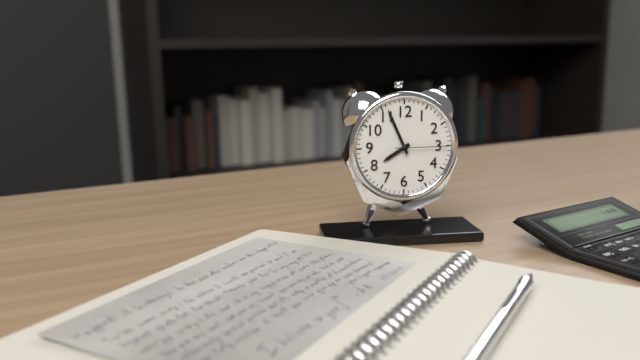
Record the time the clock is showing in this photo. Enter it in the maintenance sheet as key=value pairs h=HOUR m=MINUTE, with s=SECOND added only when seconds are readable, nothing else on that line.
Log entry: h=7 m=56 s=15
